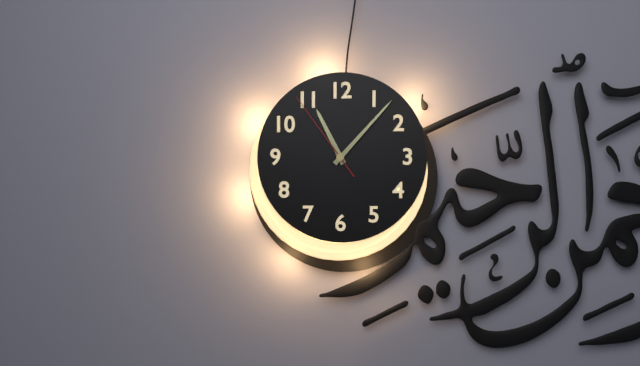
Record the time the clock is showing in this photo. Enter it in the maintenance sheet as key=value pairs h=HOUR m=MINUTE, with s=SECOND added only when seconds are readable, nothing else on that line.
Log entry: h=11 m=7 s=54
